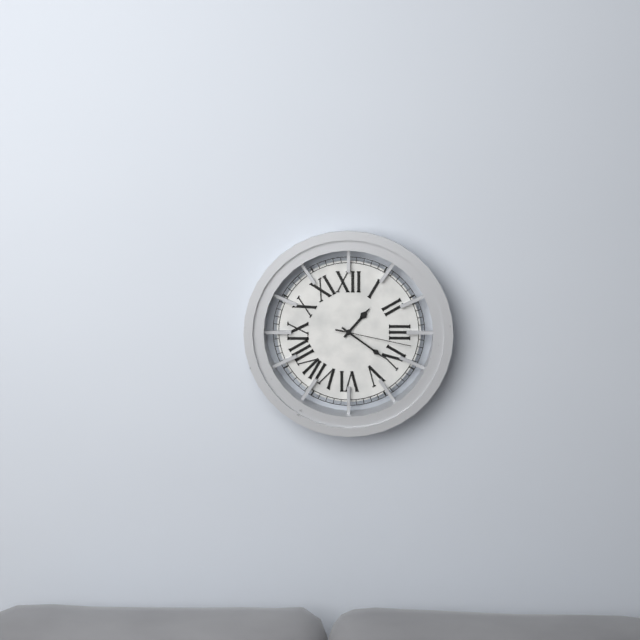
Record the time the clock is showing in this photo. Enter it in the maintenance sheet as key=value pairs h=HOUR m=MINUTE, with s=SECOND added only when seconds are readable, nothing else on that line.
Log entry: h=1 m=21 s=17
